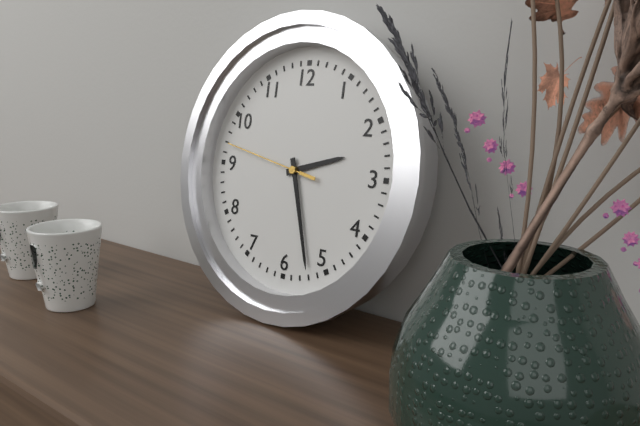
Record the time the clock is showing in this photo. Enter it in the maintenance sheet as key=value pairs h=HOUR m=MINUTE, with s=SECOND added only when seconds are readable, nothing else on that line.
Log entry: h=2 m=27 s=47
